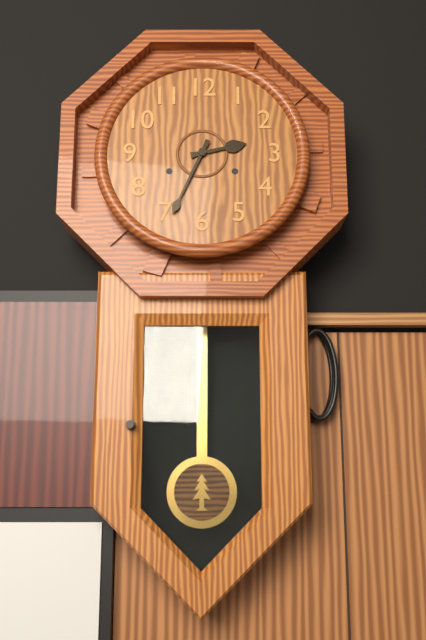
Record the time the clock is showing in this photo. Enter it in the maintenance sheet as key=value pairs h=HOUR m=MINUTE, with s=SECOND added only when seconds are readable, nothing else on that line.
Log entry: h=2 m=34
